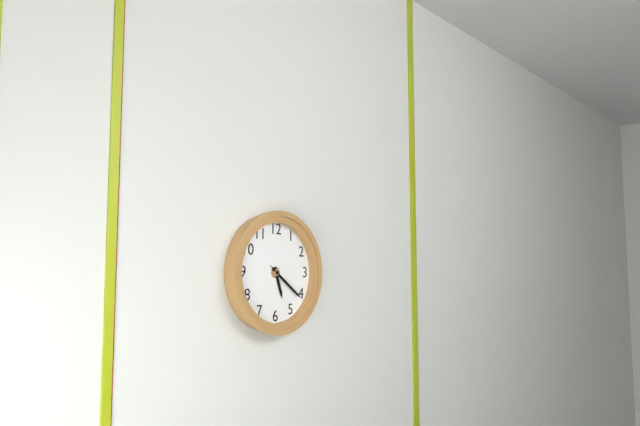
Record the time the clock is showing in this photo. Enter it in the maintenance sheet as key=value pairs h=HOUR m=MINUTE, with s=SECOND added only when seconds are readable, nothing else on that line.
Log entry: h=5 m=21
